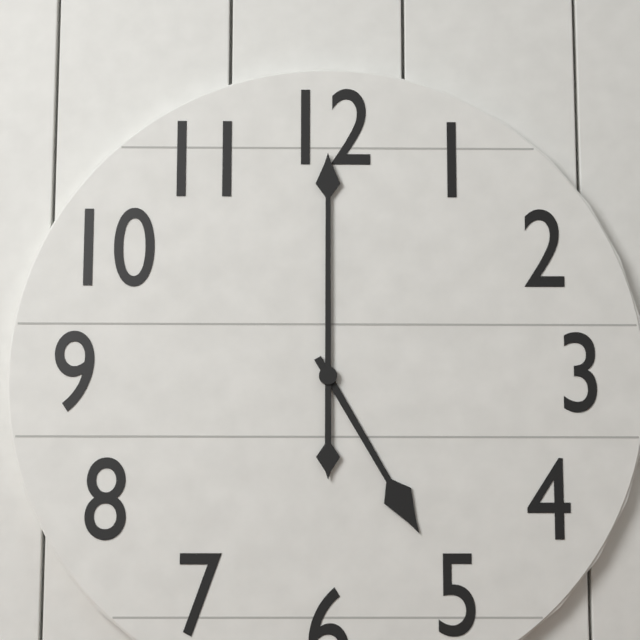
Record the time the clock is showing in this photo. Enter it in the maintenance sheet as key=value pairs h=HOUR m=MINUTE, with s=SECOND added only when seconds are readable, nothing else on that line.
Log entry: h=5 m=0
